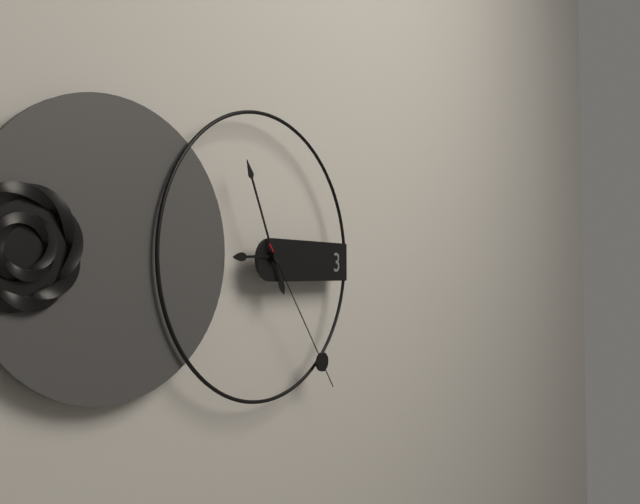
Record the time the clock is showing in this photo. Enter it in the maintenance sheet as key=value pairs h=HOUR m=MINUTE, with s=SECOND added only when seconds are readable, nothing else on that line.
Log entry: h=8 m=56 s=24
